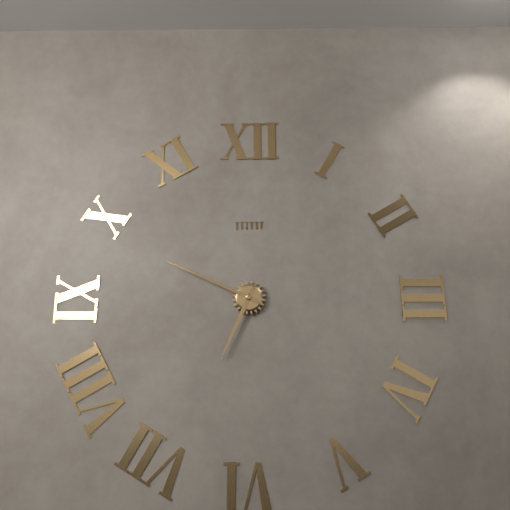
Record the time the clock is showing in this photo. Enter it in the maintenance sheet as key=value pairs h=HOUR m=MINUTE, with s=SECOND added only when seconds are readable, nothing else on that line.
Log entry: h=6 m=49
